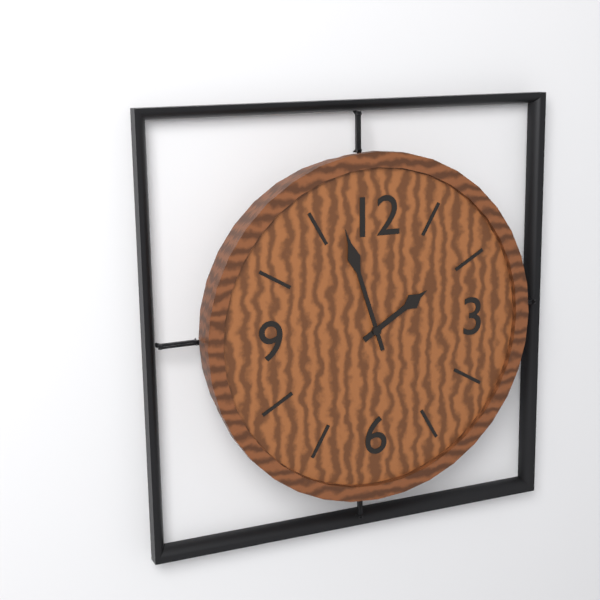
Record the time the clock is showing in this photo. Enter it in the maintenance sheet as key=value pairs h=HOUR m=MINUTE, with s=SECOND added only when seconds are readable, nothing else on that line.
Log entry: h=1 m=57
